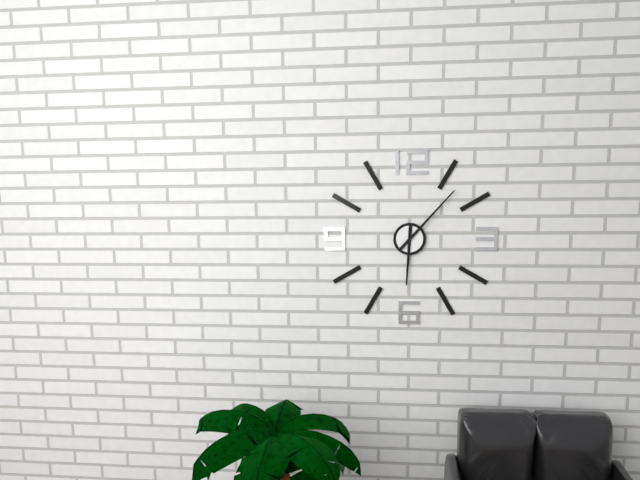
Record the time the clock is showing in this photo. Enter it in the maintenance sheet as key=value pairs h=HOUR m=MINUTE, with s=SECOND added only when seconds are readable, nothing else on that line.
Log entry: h=6 m=7
